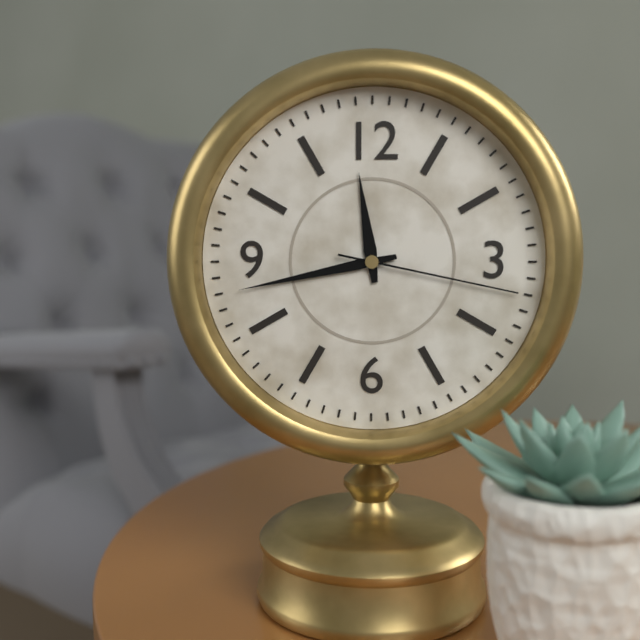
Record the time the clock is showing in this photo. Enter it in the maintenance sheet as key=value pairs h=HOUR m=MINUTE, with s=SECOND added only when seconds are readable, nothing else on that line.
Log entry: h=11 m=43 s=17
